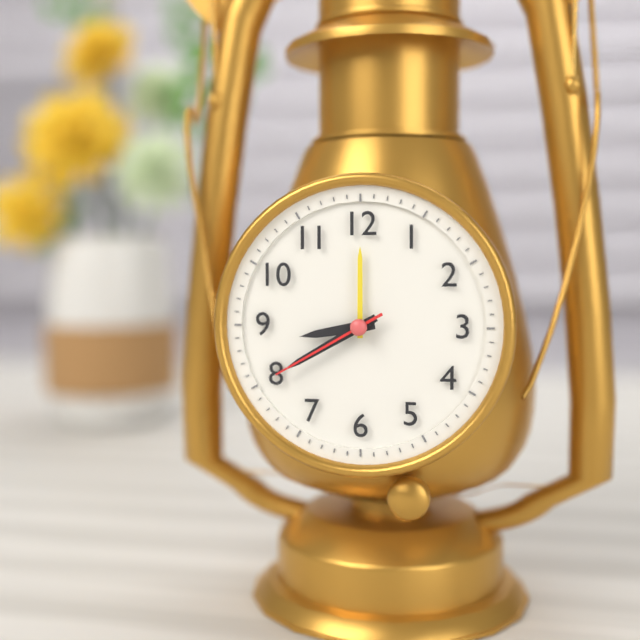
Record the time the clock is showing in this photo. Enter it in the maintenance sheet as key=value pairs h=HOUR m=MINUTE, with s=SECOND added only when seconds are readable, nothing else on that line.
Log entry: h=8 m=40 s=40
